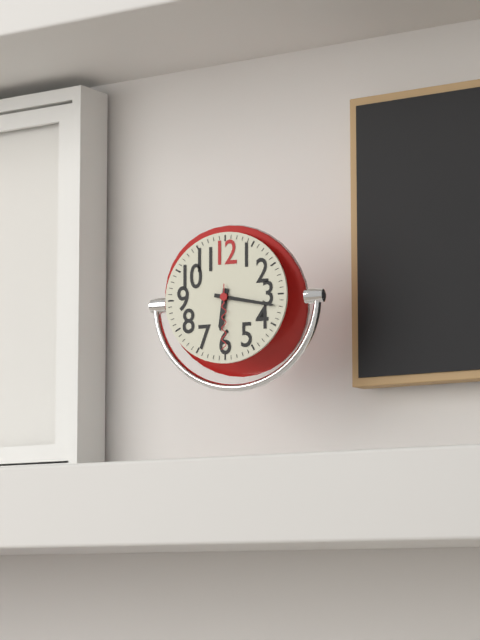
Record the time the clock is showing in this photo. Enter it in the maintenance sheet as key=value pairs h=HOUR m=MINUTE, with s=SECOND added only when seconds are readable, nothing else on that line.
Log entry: h=6 m=17 s=30
